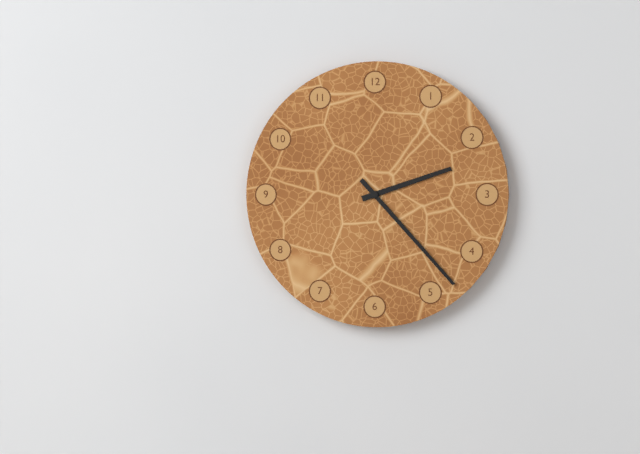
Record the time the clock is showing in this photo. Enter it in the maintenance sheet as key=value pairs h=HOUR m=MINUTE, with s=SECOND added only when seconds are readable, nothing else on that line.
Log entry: h=2 m=23
